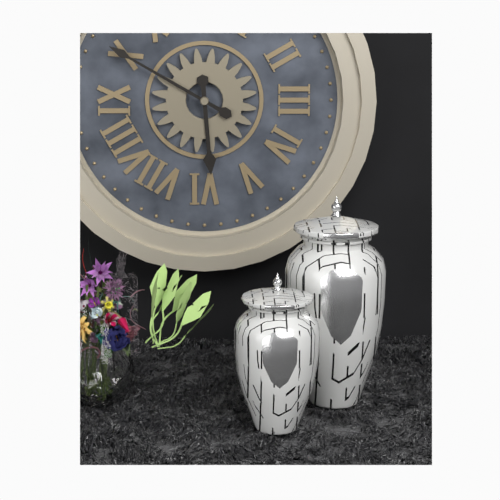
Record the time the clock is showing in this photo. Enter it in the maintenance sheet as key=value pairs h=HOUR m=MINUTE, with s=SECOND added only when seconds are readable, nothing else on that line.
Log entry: h=5 m=50
